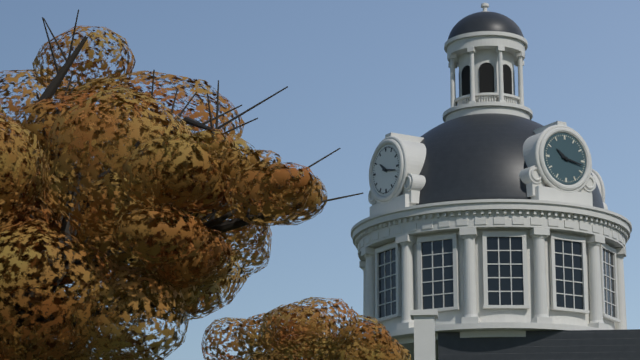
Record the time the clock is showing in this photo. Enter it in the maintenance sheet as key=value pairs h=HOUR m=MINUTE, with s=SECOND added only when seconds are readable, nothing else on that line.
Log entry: h=10 m=17
